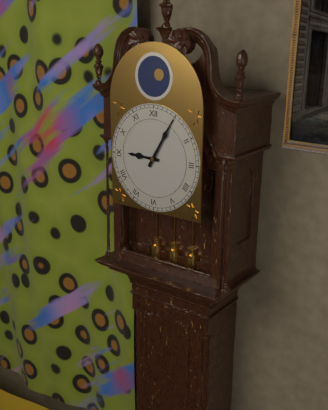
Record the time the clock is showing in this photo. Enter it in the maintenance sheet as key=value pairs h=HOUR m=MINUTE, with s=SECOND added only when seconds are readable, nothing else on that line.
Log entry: h=9 m=5
